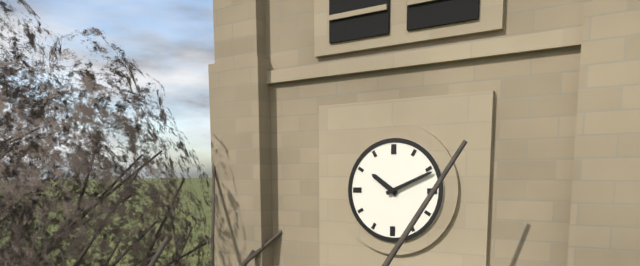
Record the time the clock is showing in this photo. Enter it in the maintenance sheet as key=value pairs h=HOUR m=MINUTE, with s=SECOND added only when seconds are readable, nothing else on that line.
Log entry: h=10 m=11
